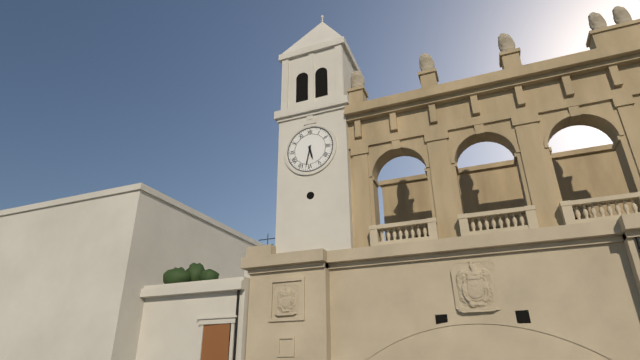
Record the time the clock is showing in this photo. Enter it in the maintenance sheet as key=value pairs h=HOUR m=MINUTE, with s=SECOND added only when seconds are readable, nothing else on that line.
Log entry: h=5 m=32
